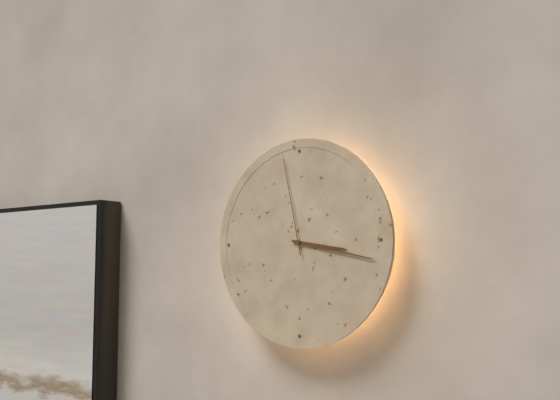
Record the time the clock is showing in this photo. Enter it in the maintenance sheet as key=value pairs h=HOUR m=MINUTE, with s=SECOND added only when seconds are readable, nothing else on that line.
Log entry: h=3 m=17 s=58
